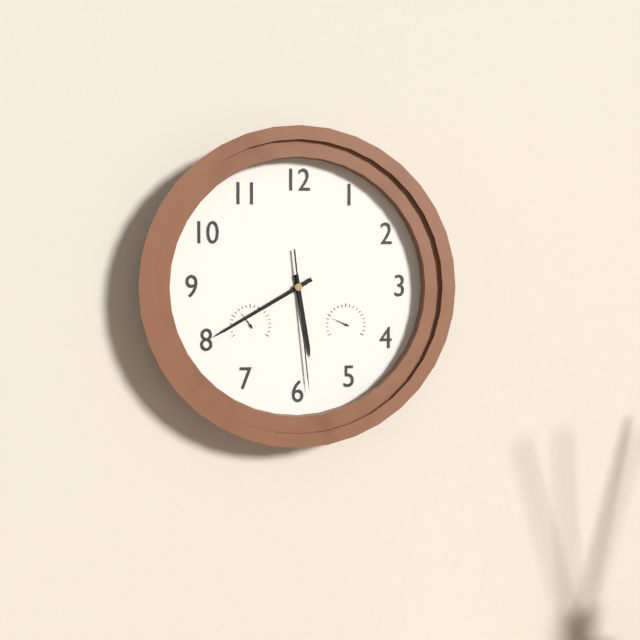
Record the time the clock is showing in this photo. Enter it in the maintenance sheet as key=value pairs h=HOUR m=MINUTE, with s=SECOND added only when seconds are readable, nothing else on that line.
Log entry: h=5 m=40 s=29
